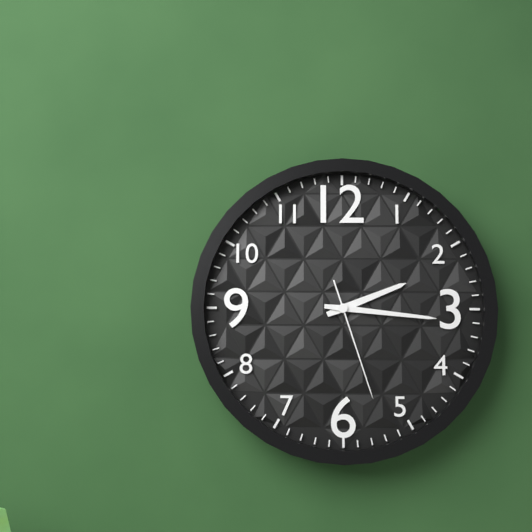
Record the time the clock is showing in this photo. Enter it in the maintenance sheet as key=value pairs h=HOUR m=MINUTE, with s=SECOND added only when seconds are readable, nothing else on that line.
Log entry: h=2 m=16 s=27
